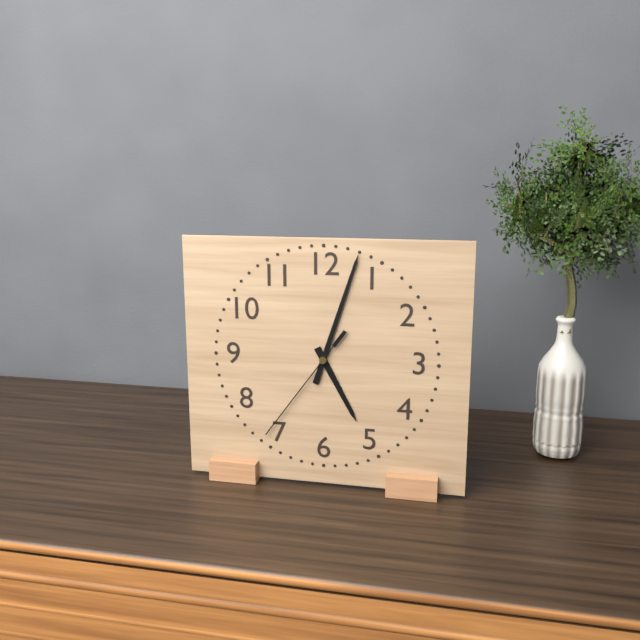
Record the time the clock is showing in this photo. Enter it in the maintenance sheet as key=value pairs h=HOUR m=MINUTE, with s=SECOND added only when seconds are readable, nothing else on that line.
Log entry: h=5 m=3 s=36
